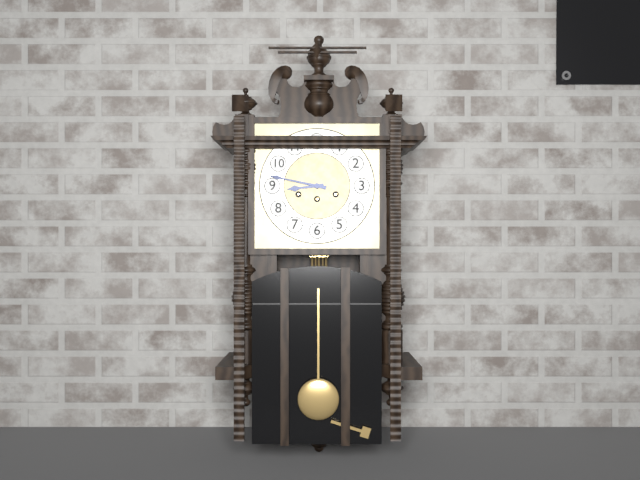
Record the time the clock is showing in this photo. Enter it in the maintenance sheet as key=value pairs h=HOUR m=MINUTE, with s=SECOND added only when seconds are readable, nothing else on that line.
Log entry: h=8 m=47
